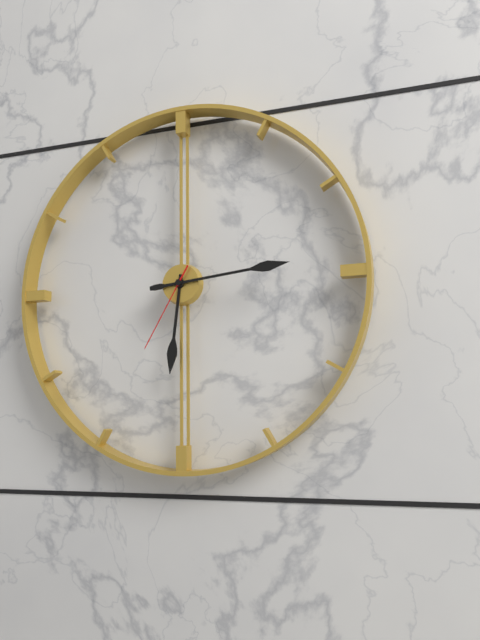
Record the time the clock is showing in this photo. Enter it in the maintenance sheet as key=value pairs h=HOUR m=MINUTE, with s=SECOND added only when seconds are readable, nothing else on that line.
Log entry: h=6 m=14 s=35
